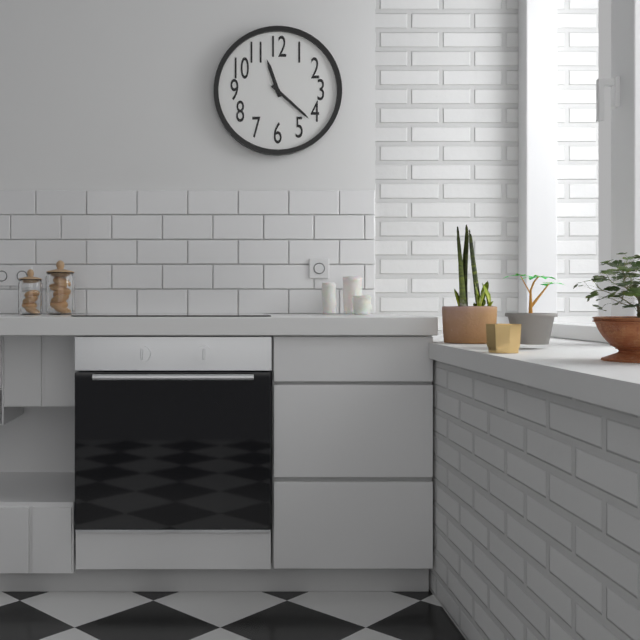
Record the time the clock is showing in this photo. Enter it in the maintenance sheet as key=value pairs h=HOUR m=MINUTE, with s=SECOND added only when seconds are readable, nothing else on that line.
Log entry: h=11 m=22
